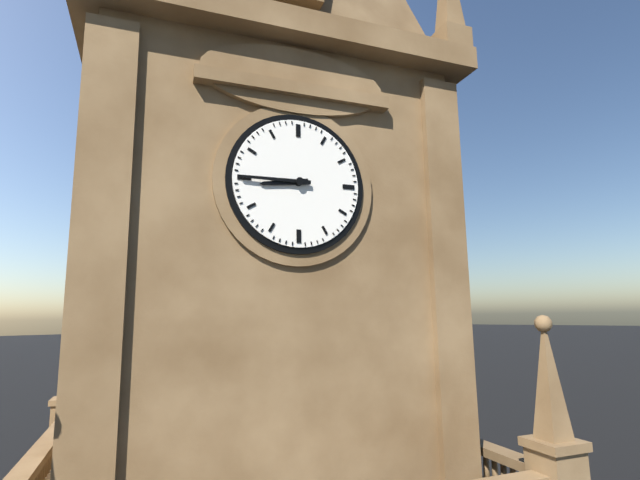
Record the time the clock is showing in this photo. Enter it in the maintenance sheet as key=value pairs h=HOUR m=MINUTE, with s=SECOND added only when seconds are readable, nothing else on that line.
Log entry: h=8 m=45
